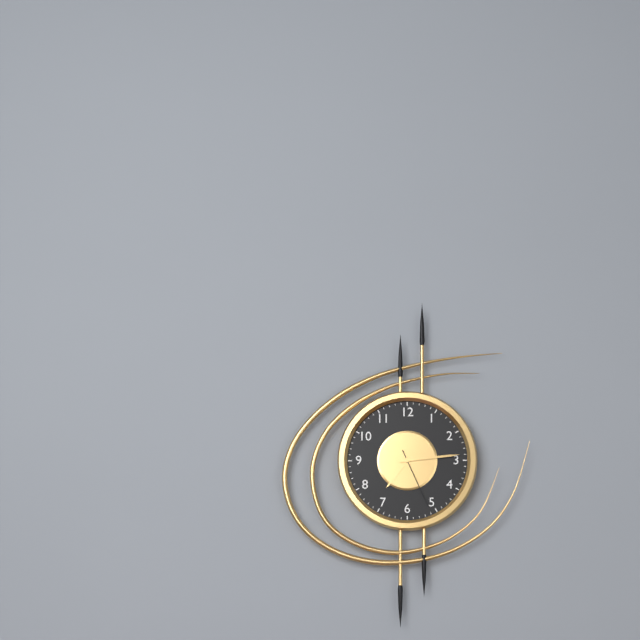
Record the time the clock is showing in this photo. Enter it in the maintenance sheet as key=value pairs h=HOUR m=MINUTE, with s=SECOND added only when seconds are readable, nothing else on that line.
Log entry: h=7 m=14 s=26
